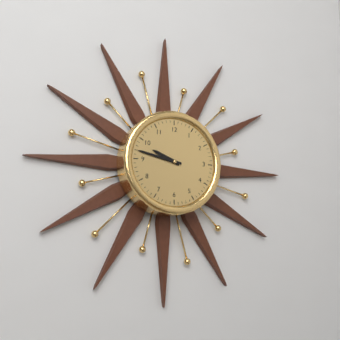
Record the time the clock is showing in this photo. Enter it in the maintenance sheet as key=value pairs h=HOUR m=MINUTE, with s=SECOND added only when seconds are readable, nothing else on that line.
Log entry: h=9 m=47
